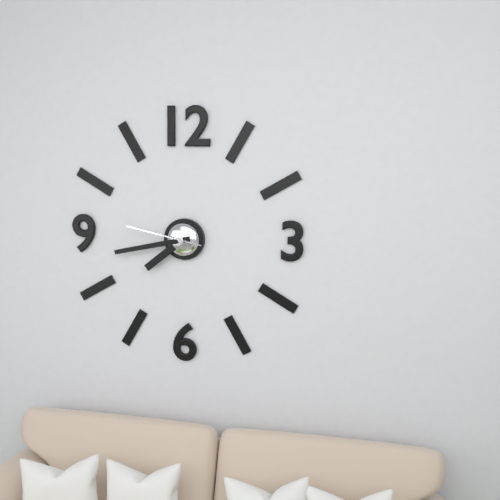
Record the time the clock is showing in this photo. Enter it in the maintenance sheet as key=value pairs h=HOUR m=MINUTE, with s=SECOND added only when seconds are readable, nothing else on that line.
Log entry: h=7 m=43 s=47
